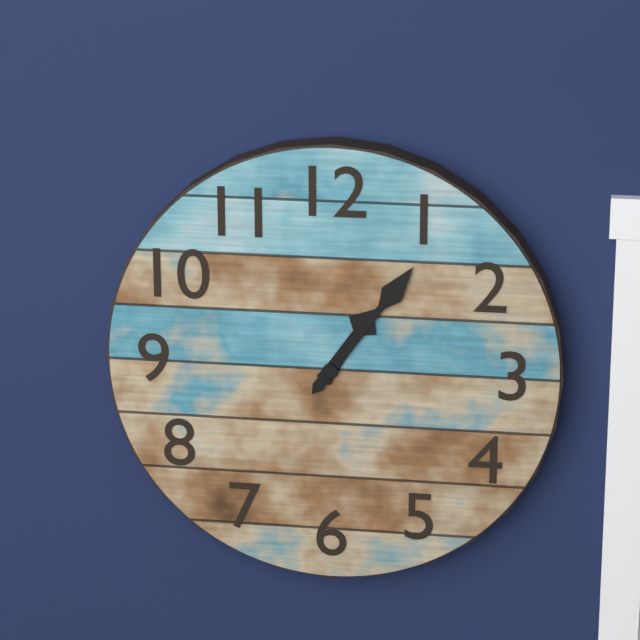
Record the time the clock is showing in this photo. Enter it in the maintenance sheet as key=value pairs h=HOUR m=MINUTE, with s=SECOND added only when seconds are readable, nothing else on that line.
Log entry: h=1 m=6
